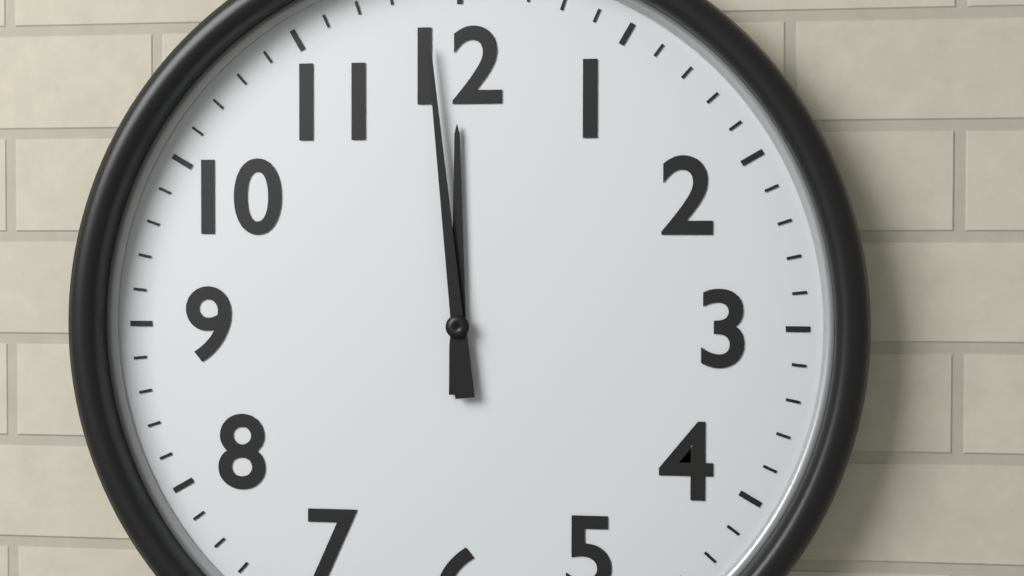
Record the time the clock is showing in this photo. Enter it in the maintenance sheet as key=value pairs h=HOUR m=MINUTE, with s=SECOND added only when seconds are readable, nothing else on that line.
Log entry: h=11 m=59
